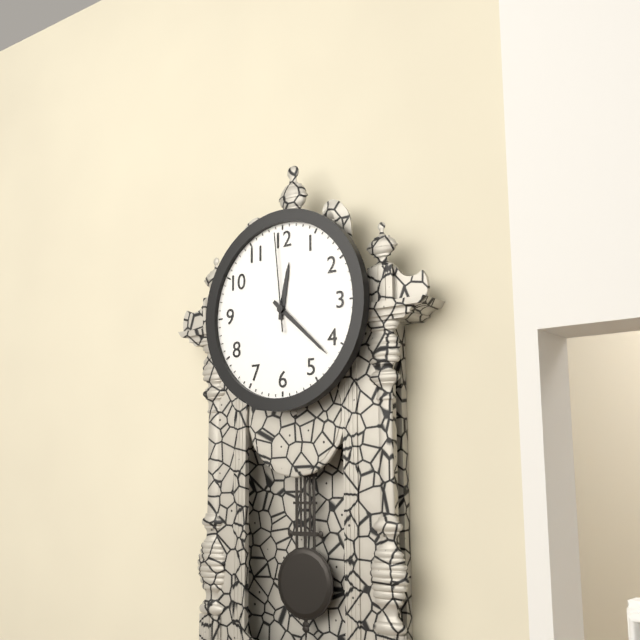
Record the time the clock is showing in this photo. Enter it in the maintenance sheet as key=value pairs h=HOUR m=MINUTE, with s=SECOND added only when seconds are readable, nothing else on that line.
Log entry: h=12 m=22 s=59
